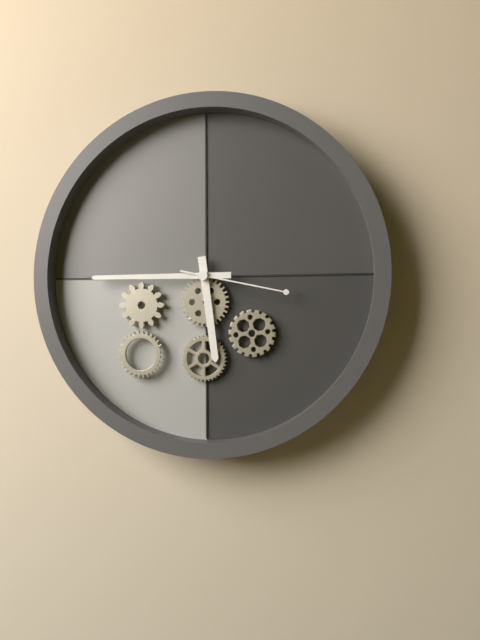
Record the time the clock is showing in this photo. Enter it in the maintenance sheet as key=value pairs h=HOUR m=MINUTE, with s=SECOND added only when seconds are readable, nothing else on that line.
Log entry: h=5 m=45 s=17
